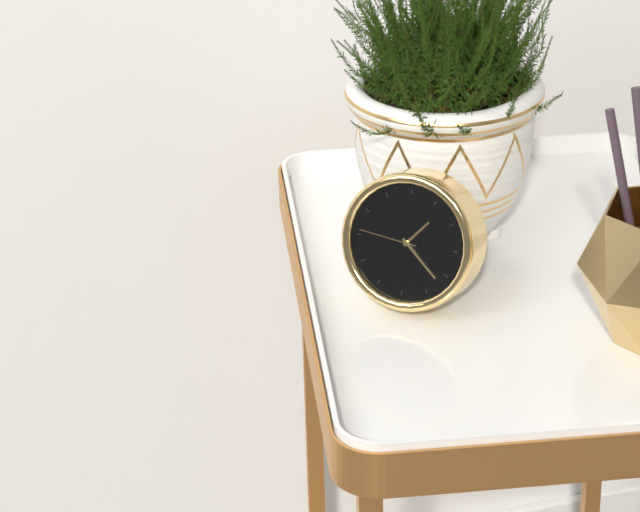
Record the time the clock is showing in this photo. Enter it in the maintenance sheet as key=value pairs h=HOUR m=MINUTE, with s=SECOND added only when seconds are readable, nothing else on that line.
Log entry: h=1 m=22 s=46
